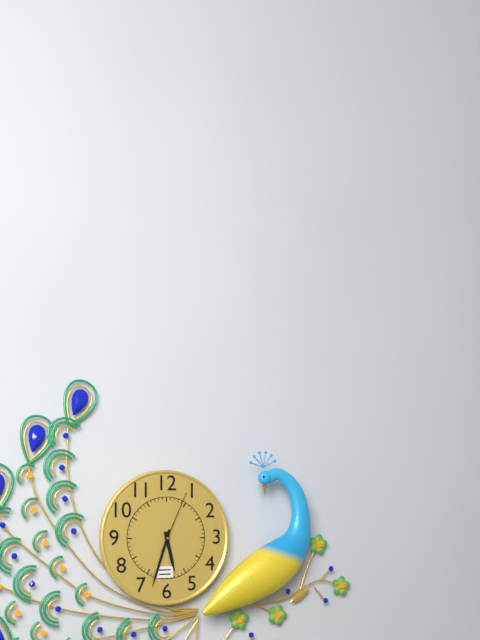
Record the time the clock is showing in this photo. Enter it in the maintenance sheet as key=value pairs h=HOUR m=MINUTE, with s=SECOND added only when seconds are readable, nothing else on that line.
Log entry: h=5 m=33 s=4
